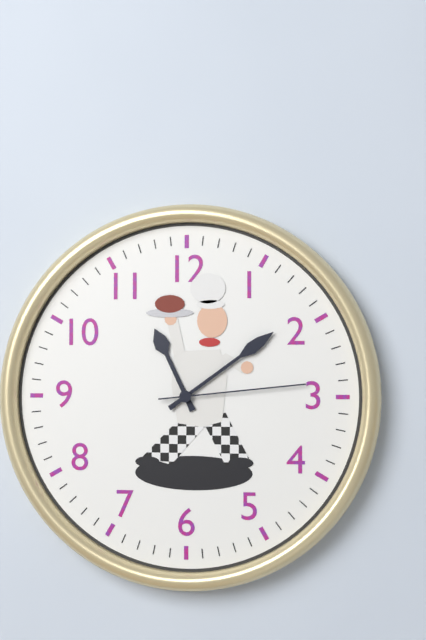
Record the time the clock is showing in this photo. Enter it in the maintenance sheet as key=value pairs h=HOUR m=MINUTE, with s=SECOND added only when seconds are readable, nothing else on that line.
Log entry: h=11 m=9 s=14
